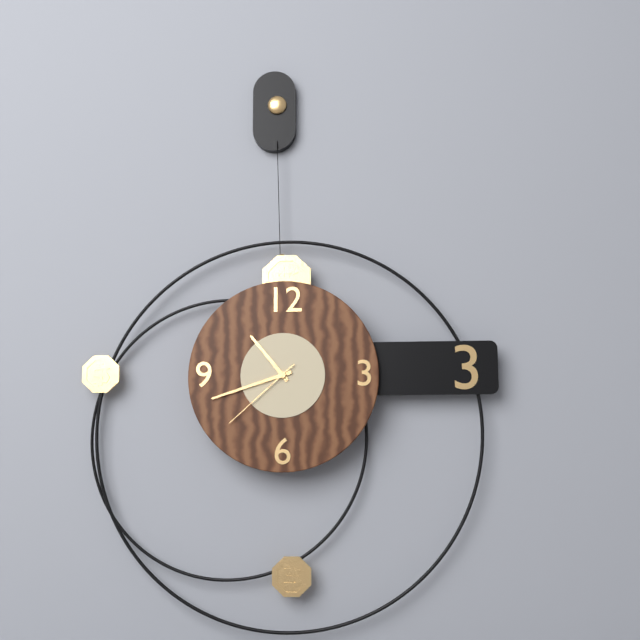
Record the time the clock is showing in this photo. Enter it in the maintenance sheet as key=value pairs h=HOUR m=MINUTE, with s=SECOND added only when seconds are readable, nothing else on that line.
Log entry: h=10 m=42 s=38
